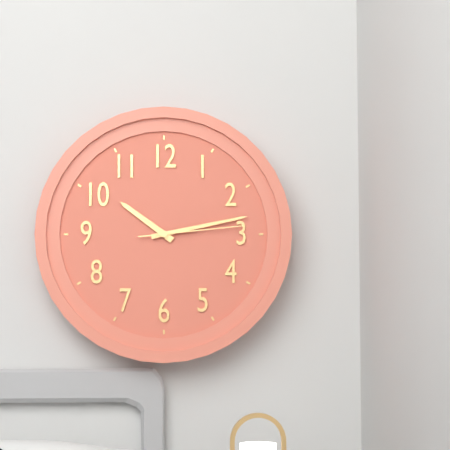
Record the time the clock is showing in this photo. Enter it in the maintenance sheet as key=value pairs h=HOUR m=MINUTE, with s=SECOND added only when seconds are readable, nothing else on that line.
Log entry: h=10 m=13 s=14
